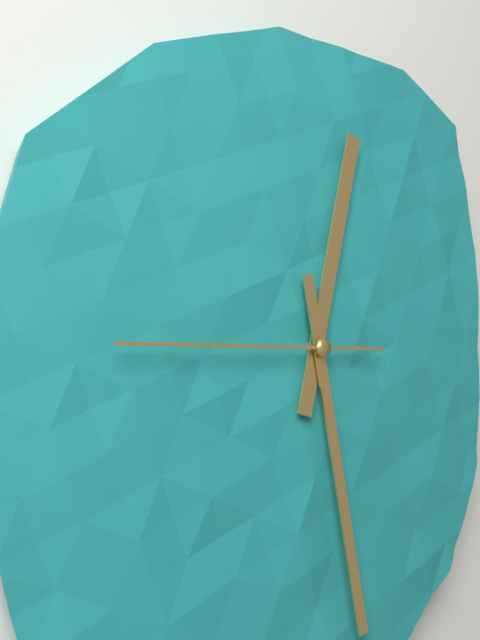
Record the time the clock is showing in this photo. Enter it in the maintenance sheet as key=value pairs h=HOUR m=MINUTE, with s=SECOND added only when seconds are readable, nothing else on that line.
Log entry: h=12 m=28 s=45
